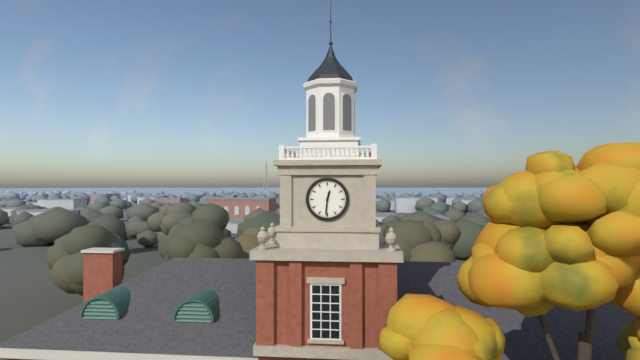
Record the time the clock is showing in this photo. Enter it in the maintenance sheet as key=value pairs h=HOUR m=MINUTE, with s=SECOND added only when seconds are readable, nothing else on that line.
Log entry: h=12 m=31
